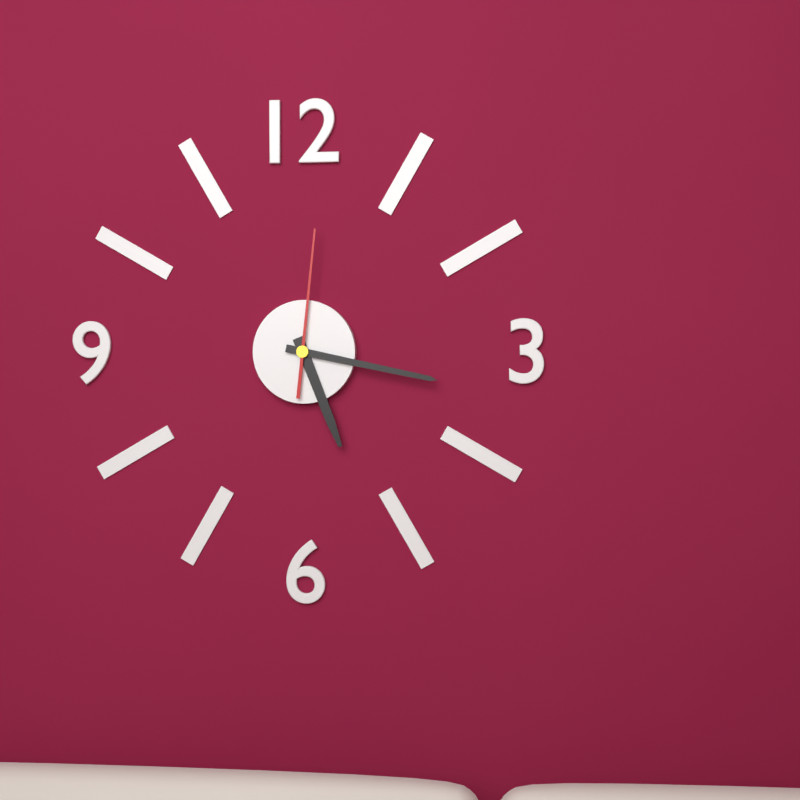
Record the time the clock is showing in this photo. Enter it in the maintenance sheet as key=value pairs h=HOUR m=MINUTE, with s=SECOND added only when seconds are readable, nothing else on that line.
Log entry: h=5 m=17 s=1
